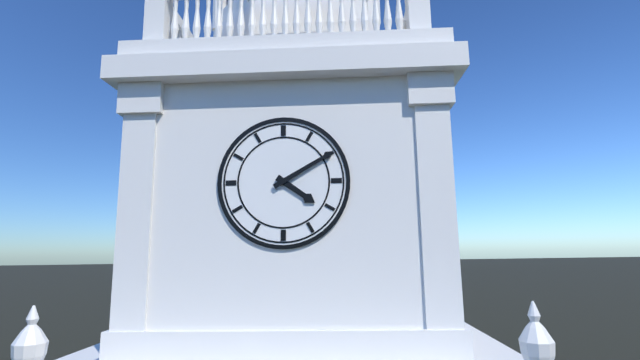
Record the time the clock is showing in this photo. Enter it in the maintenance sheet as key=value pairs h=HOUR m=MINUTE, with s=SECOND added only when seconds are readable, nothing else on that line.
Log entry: h=4 m=10
